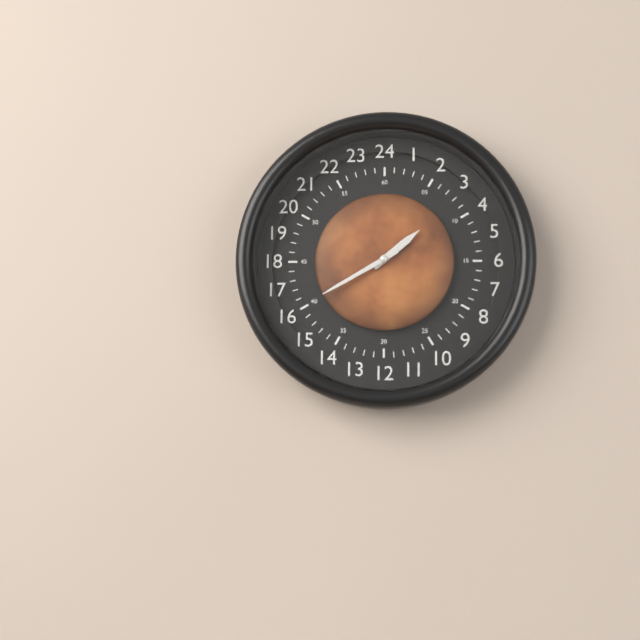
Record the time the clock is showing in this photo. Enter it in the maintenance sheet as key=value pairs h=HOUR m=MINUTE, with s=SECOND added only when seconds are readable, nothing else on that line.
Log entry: h=1 m=40
